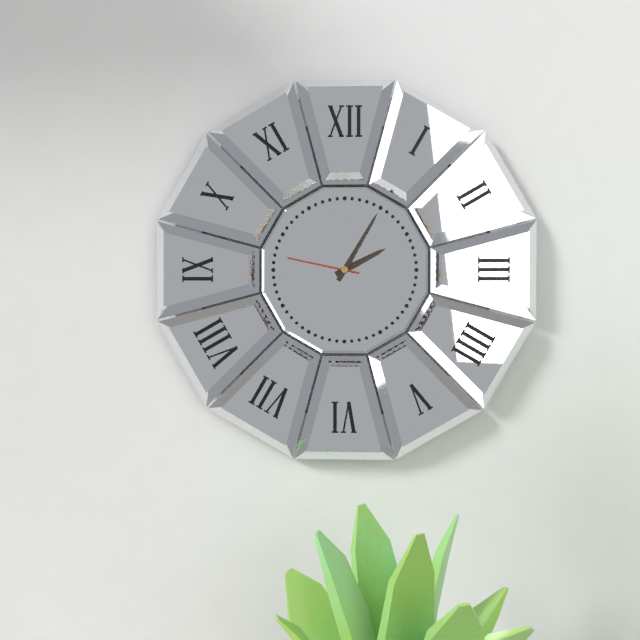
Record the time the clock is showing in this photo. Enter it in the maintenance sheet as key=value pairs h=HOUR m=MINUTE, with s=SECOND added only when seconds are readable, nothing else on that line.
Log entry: h=2 m=5 s=47
